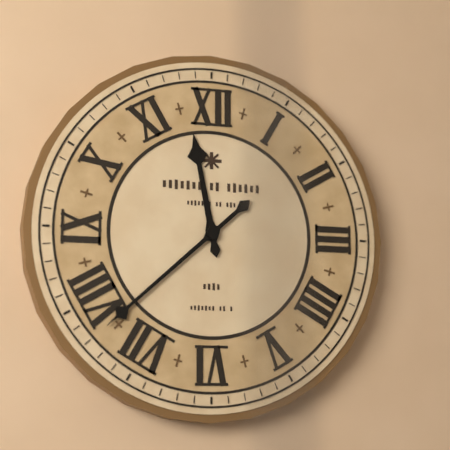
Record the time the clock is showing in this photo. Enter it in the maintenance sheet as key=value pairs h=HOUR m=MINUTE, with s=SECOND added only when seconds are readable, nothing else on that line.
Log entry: h=11 m=38
